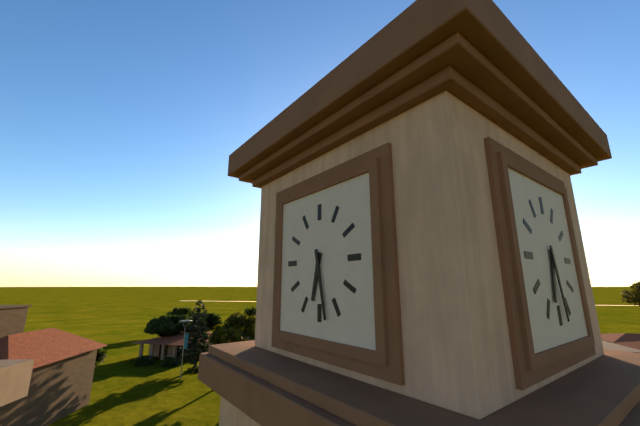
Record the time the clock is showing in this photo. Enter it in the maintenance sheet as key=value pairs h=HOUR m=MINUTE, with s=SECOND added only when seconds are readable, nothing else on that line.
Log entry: h=6 m=28
